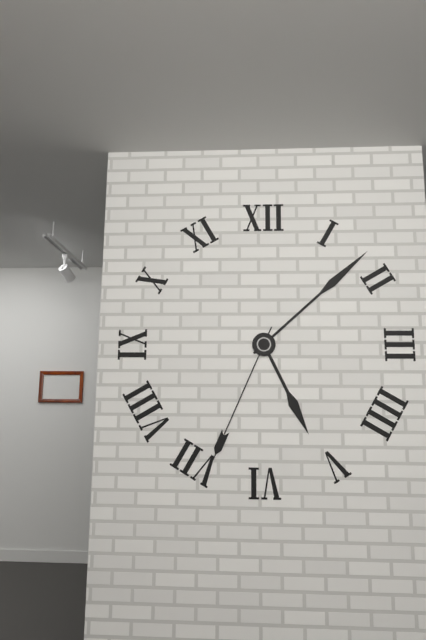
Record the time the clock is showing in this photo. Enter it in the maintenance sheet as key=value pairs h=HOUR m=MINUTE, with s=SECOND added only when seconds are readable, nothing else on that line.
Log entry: h=5 m=8 s=34
